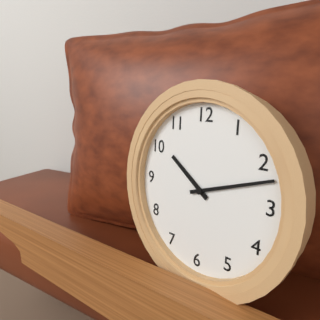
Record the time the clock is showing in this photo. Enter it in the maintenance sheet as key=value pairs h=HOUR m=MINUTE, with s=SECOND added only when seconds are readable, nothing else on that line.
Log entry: h=10 m=12
